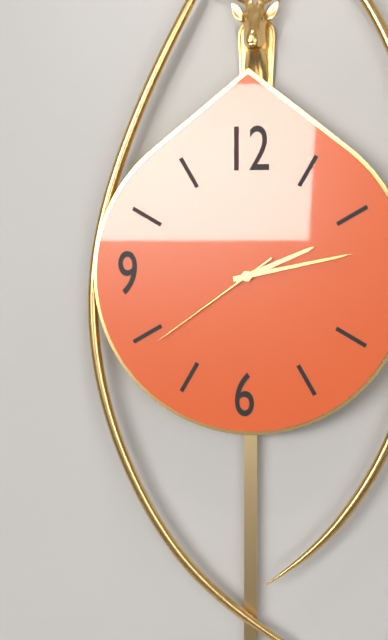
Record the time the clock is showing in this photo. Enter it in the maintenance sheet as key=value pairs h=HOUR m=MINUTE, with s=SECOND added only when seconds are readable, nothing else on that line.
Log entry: h=2 m=13 s=39
